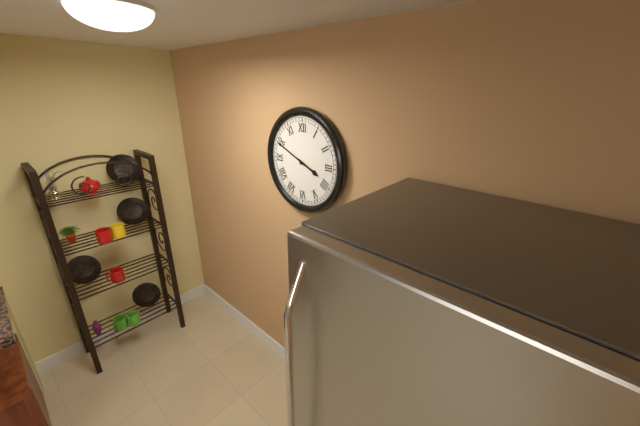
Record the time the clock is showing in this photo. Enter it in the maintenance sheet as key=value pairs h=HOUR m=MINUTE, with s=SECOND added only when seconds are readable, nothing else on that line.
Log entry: h=3 m=49
